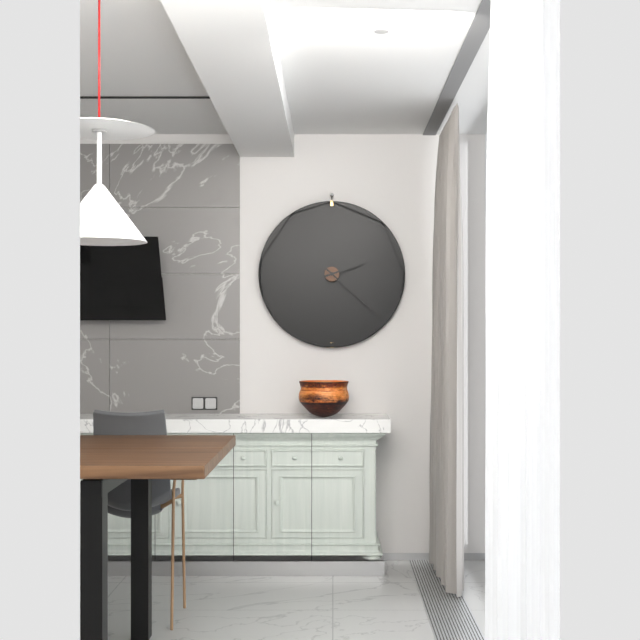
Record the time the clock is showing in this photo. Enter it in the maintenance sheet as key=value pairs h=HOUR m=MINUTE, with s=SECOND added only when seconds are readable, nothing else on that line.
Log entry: h=2 m=22
